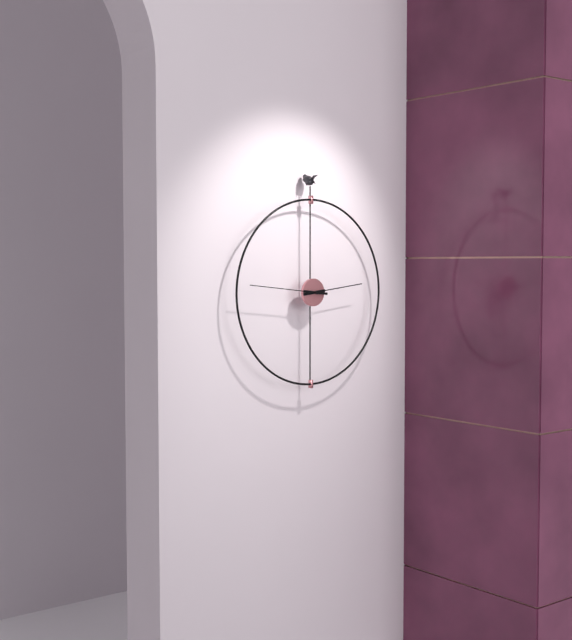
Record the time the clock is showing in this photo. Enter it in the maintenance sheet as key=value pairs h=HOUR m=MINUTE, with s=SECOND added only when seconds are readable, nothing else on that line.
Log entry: h=2 m=46
